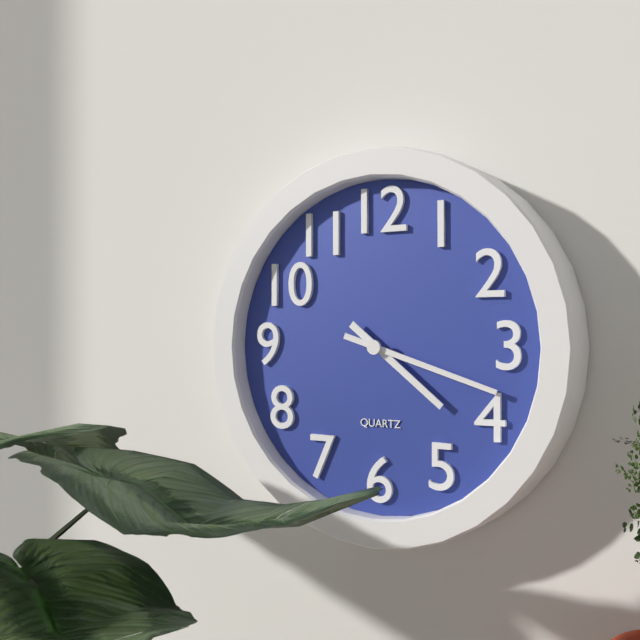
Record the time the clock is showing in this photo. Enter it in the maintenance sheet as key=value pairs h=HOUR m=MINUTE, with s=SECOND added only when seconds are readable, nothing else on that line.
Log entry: h=4 m=18
